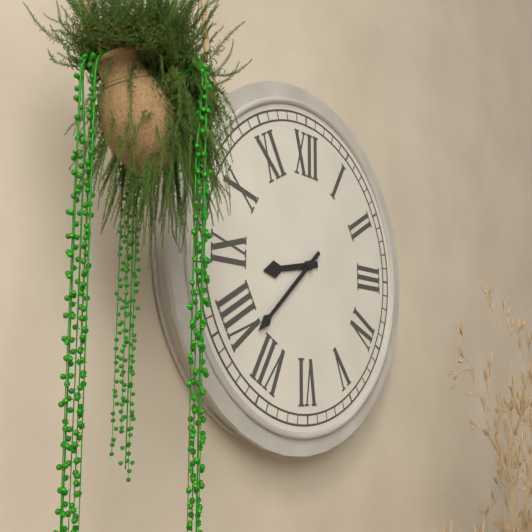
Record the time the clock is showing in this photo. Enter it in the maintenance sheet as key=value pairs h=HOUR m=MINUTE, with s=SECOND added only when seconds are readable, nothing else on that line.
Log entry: h=8 m=38
